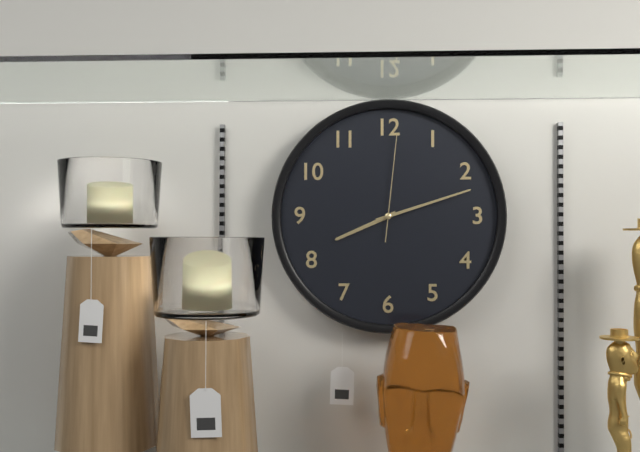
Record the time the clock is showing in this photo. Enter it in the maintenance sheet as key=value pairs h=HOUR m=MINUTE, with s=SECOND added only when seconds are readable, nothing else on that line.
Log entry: h=8 m=12 s=1
